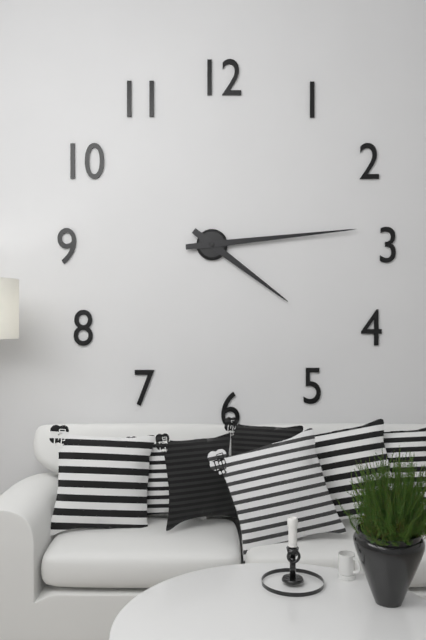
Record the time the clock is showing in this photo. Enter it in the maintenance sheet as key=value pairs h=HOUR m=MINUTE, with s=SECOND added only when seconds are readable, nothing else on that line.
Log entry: h=4 m=14
